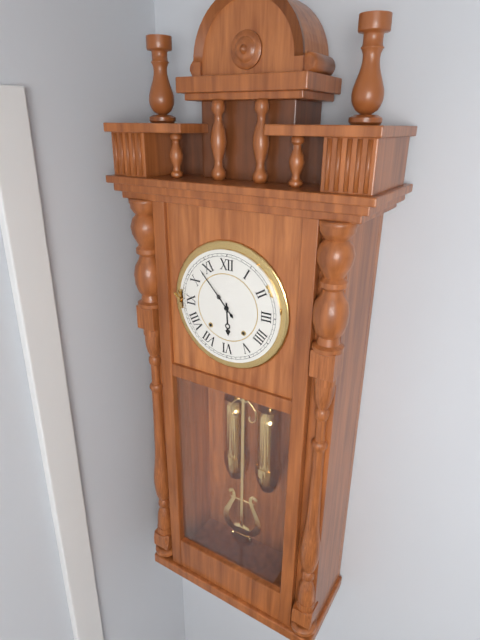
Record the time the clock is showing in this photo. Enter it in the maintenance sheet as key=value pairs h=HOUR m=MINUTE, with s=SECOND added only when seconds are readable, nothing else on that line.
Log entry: h=5 m=53
